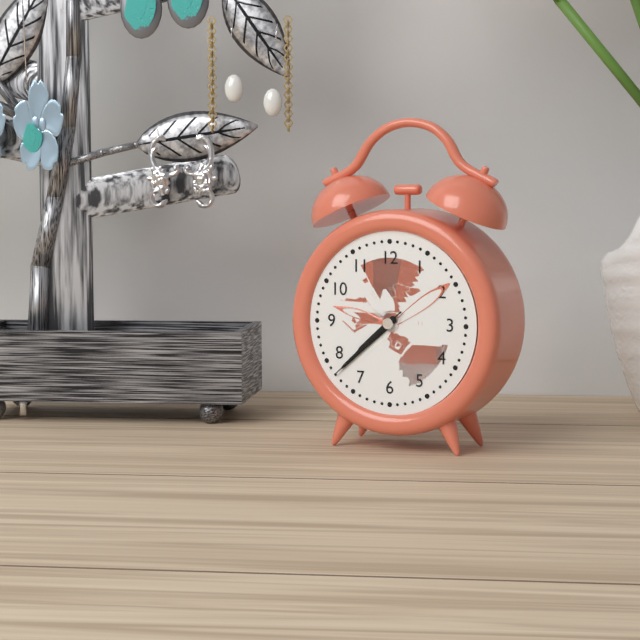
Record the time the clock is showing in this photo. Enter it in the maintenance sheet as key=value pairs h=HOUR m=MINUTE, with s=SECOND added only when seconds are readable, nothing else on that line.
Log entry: h=7 m=38 s=38
